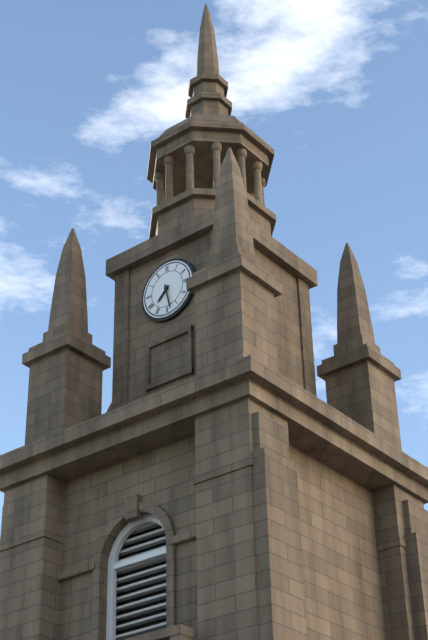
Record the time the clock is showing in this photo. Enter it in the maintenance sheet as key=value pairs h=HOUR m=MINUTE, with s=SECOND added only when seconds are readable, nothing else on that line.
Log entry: h=7 m=28
